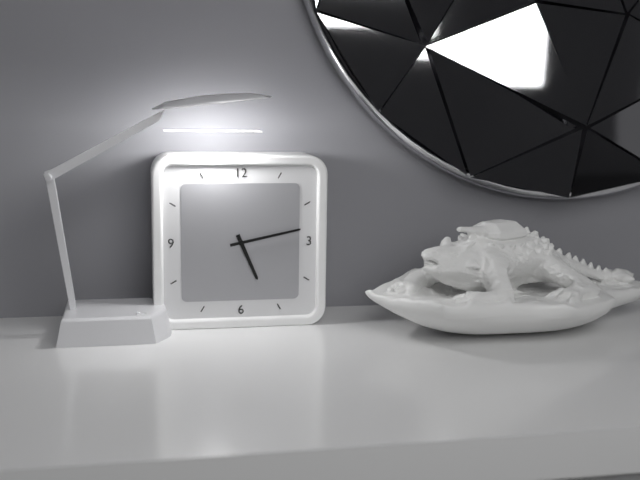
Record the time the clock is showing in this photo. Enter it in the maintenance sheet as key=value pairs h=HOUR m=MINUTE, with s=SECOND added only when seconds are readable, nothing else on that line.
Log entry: h=5 m=13
